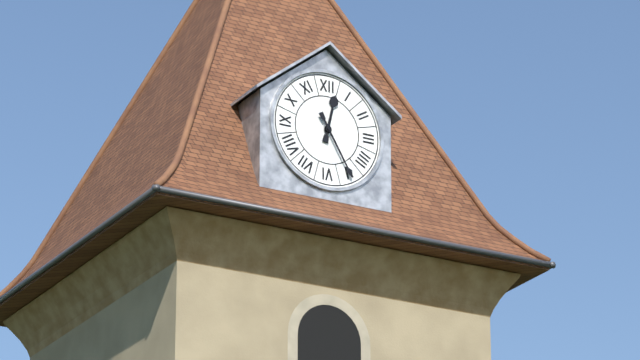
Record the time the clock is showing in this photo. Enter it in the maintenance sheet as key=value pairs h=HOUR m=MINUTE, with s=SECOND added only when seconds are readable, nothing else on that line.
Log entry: h=12 m=25
